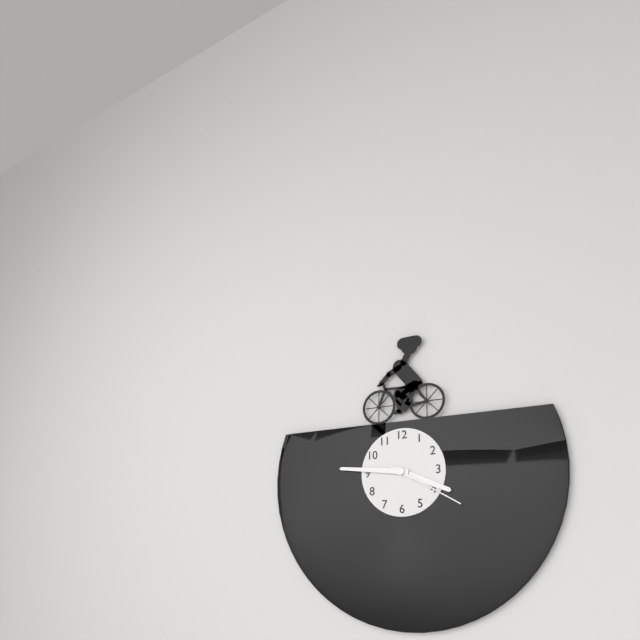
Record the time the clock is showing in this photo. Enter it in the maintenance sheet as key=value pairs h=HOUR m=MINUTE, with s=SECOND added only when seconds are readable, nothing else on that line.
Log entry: h=3 m=46 s=20
